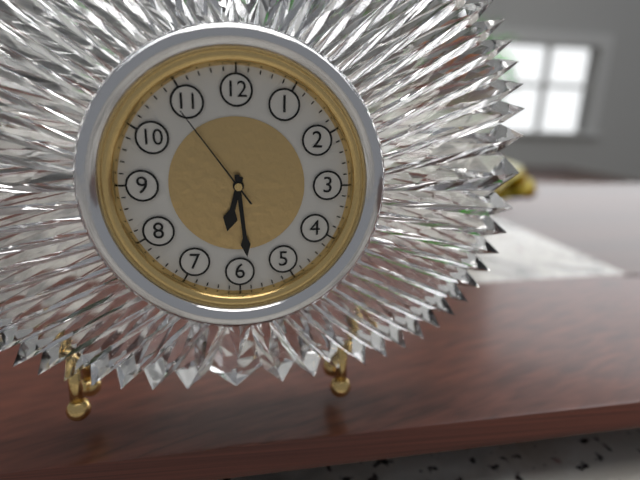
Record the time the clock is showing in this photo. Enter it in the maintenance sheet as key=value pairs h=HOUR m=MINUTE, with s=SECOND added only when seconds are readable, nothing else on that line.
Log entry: h=6 m=29 s=54
